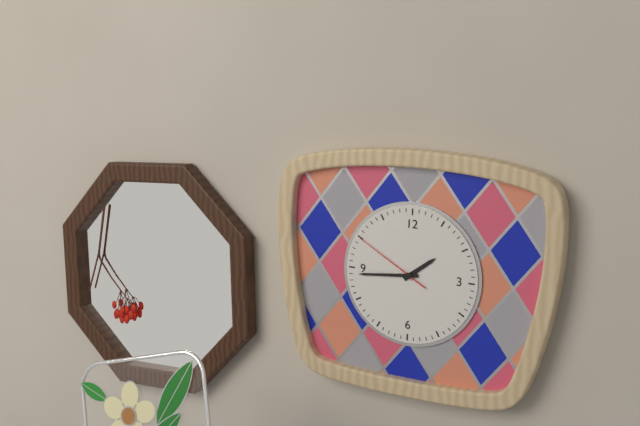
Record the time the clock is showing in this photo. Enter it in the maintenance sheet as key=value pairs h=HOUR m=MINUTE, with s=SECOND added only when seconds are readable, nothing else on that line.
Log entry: h=1 m=44 s=50
